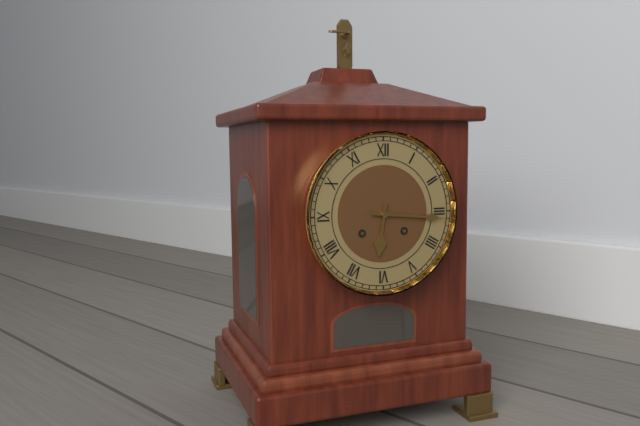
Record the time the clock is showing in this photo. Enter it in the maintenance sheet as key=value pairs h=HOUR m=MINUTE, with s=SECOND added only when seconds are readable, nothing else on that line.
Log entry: h=6 m=16
